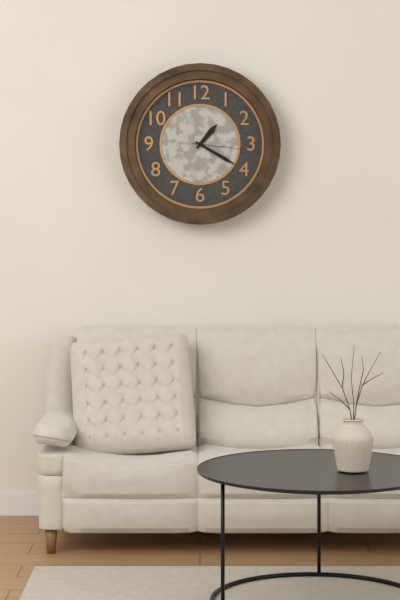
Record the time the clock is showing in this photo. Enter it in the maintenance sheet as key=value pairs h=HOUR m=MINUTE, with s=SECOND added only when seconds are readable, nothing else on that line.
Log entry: h=1 m=20 s=16
